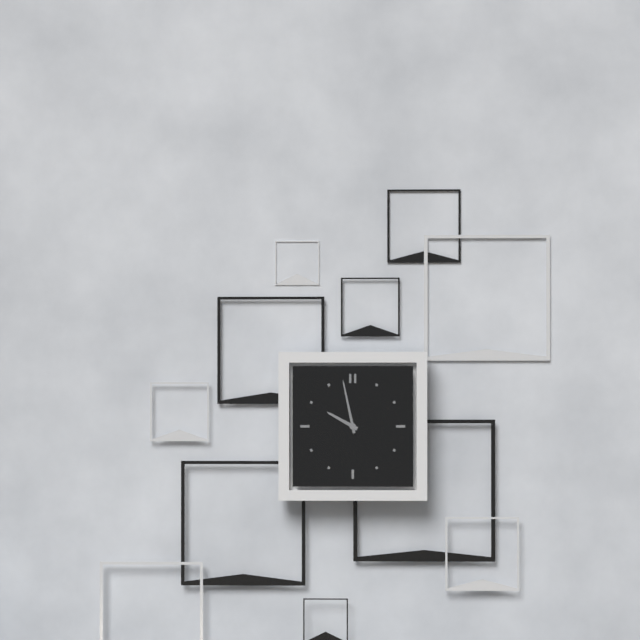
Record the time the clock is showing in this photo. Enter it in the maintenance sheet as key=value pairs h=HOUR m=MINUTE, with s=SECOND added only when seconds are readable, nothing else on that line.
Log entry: h=9 m=58
